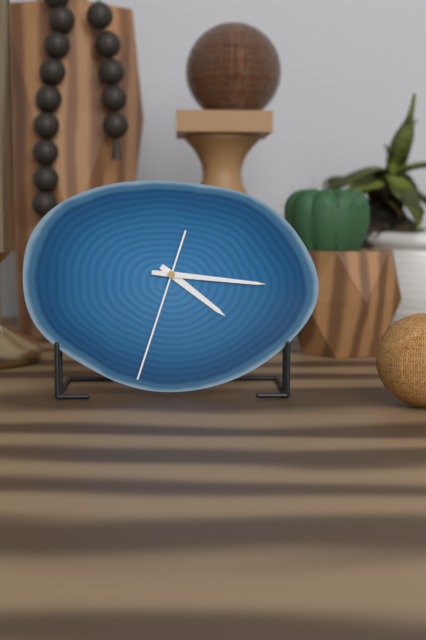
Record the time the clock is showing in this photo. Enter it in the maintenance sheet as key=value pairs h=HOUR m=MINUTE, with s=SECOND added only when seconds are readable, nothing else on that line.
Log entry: h=4 m=16 s=33
